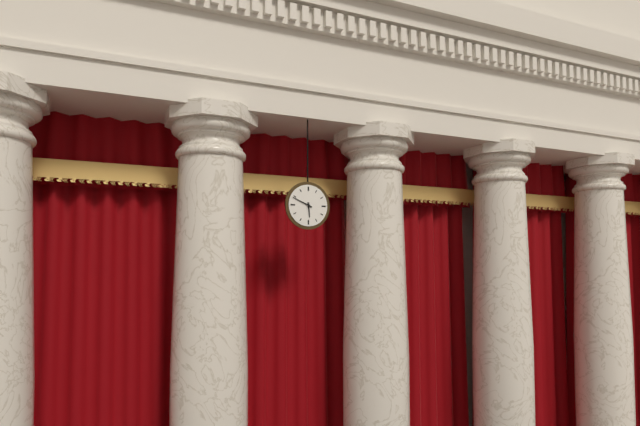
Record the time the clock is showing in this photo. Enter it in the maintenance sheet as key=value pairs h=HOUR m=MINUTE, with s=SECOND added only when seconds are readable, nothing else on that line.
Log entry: h=5 m=49
